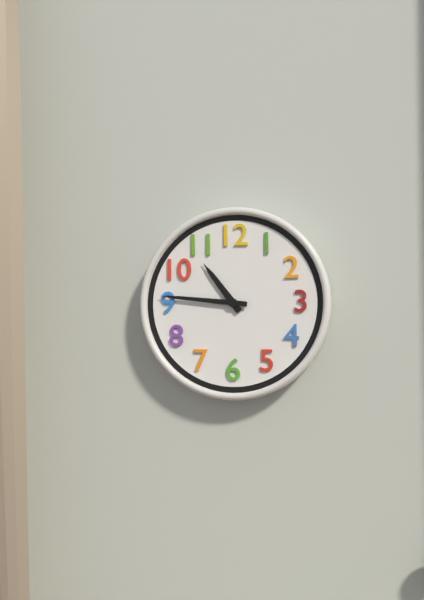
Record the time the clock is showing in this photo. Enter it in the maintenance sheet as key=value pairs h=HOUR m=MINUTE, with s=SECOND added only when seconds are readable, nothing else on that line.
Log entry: h=10 m=46
